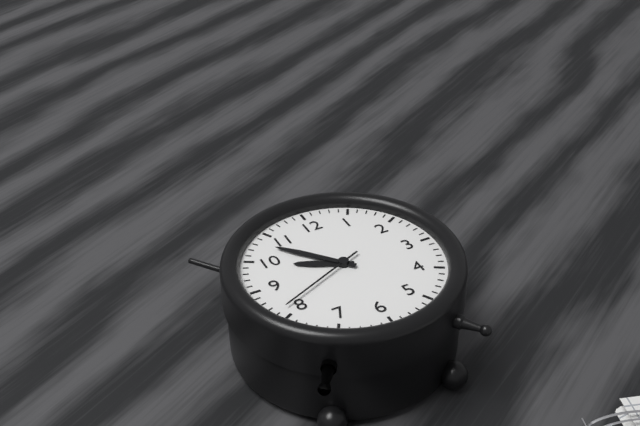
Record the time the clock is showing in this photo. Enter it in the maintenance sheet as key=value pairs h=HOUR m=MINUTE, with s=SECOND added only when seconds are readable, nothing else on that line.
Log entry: h=9 m=53 s=41
